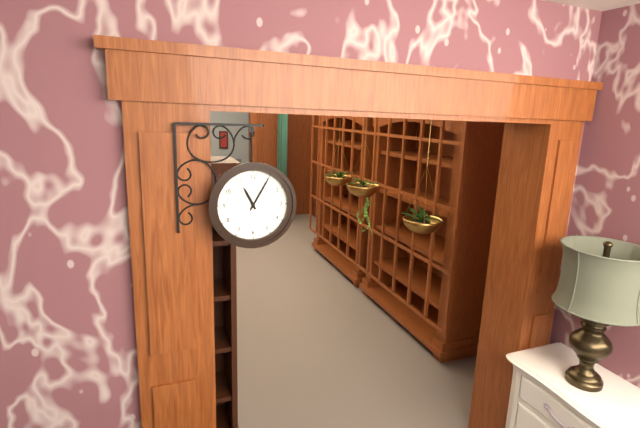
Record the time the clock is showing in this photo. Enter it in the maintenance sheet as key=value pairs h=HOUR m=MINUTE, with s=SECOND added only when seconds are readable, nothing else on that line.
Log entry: h=11 m=5
